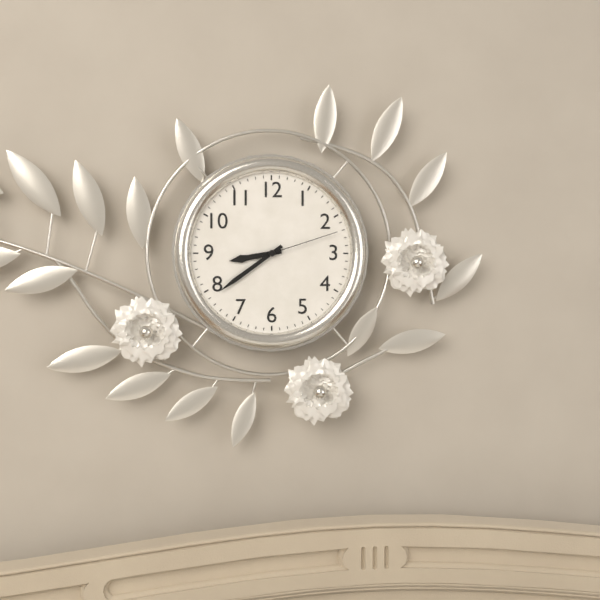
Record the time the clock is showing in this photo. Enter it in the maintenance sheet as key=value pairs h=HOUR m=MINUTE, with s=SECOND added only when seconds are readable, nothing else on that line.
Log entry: h=8 m=39 s=12
